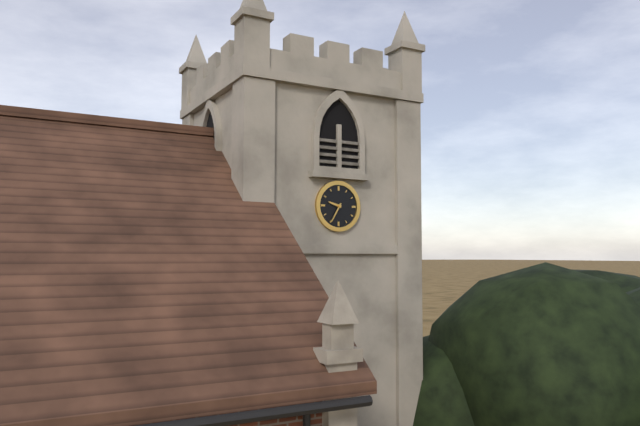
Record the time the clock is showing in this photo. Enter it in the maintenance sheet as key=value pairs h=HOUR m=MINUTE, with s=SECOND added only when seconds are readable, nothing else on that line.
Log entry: h=9 m=35
